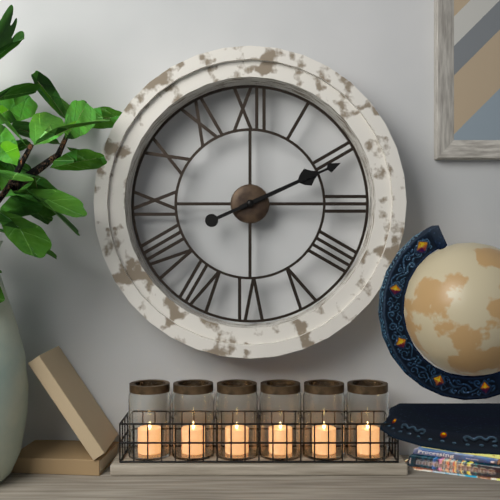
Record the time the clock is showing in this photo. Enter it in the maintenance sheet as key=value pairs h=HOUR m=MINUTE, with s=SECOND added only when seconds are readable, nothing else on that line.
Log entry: h=2 m=11
